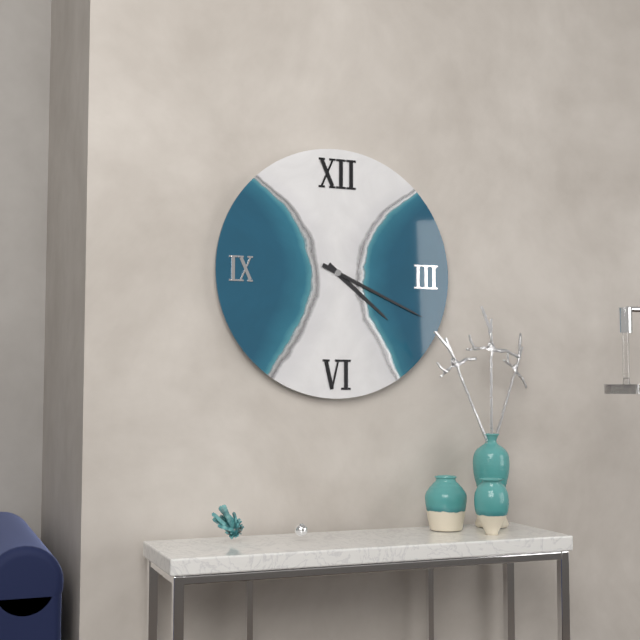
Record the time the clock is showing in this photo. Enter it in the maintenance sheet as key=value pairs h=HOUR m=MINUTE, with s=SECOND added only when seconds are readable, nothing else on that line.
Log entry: h=4 m=19
